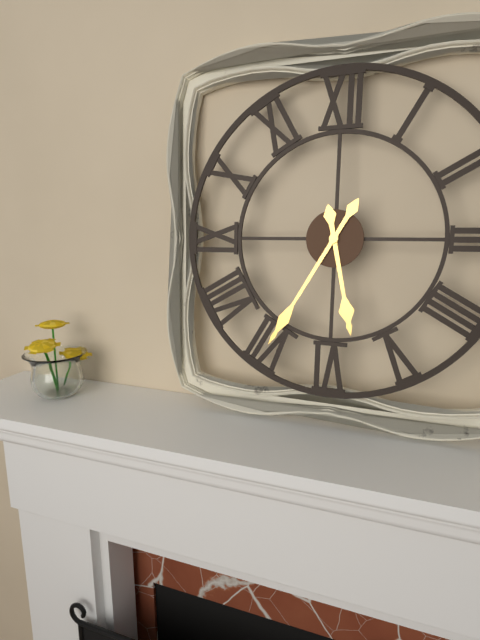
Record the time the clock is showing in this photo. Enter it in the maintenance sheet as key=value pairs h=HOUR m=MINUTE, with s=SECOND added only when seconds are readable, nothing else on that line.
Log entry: h=5 m=35
